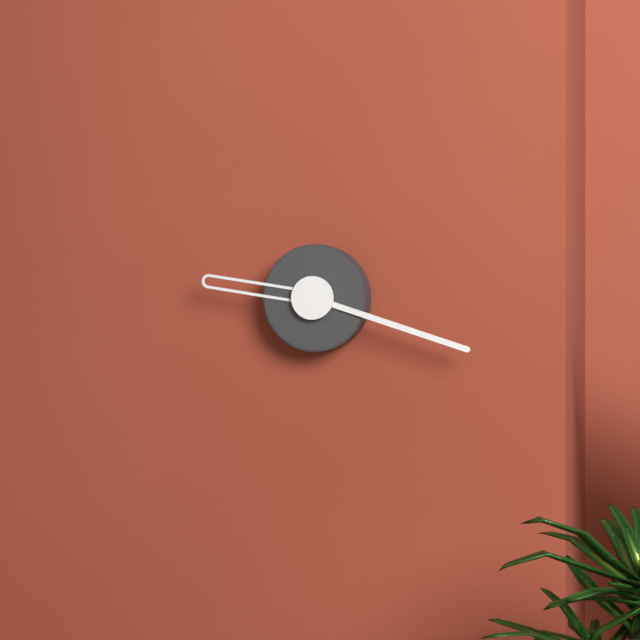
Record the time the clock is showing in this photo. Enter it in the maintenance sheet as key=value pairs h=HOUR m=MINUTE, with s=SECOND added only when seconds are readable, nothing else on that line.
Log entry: h=9 m=18
